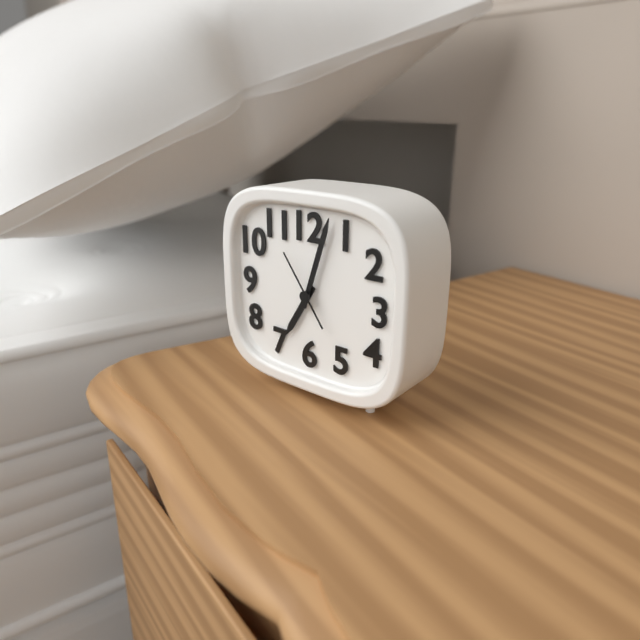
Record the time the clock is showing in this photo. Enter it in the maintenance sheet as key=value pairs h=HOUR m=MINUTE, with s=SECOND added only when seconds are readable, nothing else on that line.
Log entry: h=7 m=3 s=54
